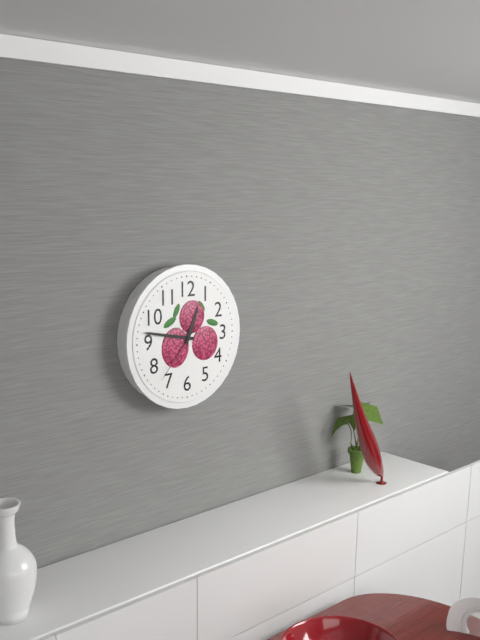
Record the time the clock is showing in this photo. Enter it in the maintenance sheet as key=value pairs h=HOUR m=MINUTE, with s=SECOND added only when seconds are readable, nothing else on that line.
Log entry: h=12 m=47 s=37
